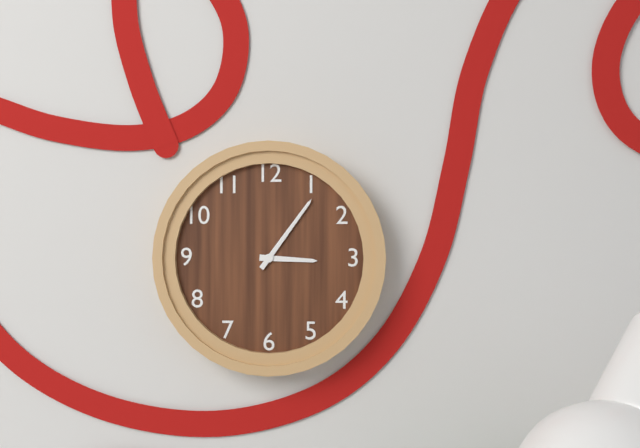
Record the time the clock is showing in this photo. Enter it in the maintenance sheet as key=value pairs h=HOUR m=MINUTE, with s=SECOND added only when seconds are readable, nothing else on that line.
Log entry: h=3 m=6
